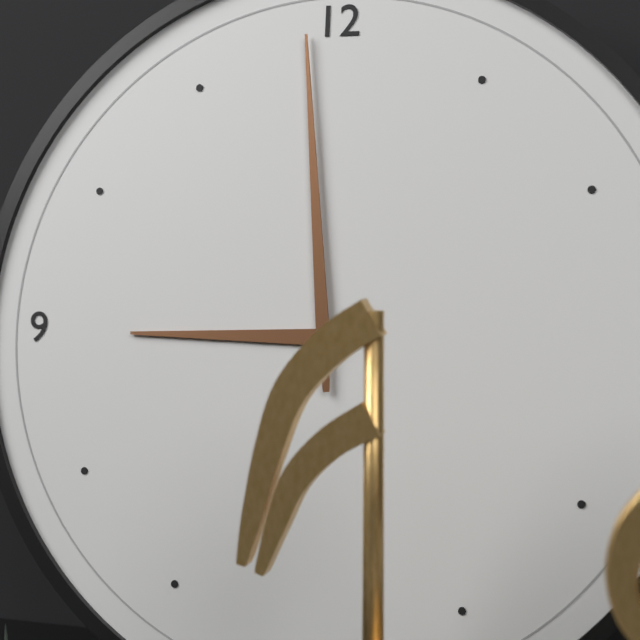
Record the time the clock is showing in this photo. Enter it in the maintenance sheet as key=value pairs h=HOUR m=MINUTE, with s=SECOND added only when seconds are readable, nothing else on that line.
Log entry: h=8 m=59
